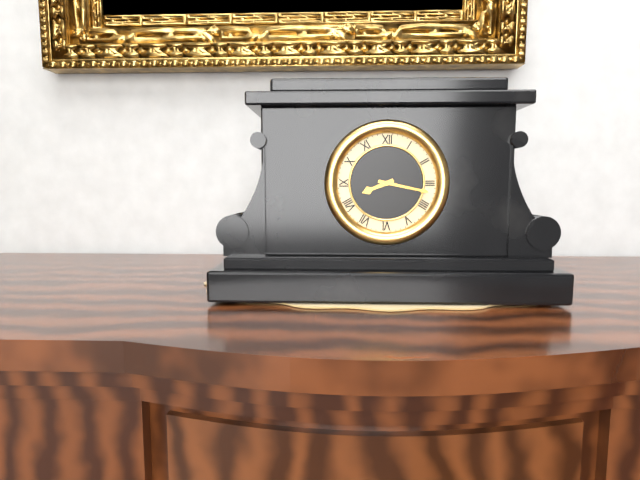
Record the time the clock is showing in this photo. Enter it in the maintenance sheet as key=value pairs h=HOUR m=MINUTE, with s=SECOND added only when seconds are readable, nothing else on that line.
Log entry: h=8 m=17
